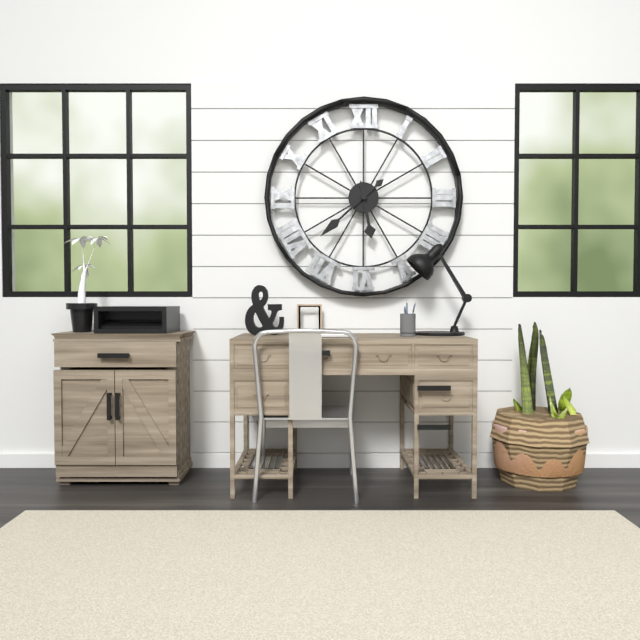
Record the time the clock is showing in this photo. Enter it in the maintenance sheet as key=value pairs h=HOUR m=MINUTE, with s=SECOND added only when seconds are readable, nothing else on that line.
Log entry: h=5 m=38
